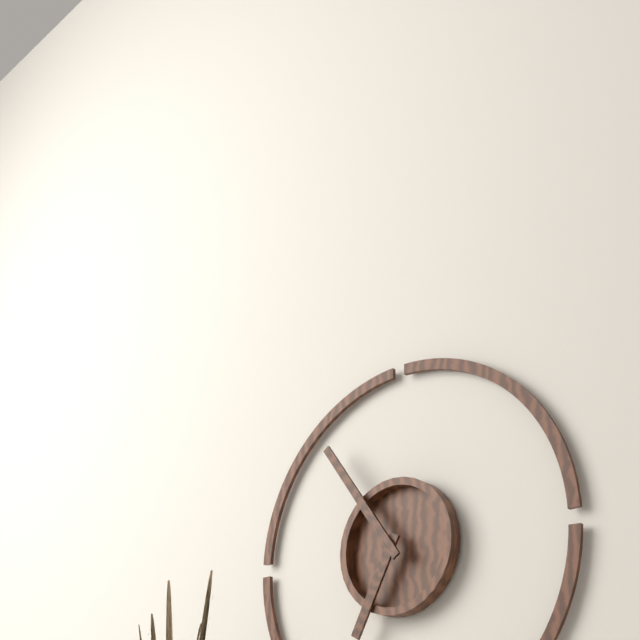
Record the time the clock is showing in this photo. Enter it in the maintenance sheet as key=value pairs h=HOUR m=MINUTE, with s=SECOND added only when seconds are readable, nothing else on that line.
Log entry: h=6 m=54
